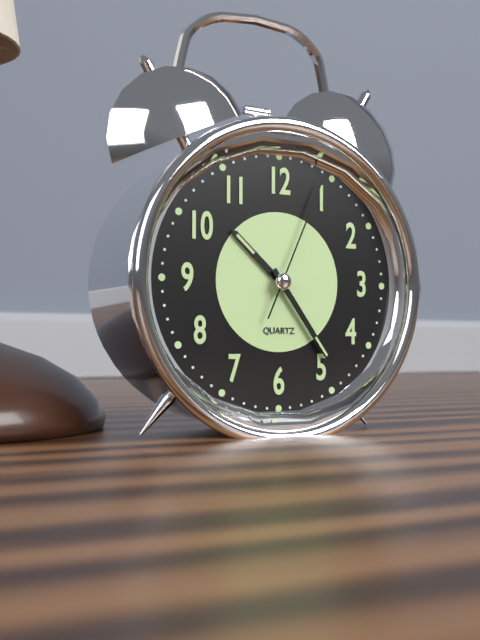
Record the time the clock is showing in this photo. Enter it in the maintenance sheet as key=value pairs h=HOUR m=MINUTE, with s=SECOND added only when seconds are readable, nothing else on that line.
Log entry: h=10 m=24 s=4
